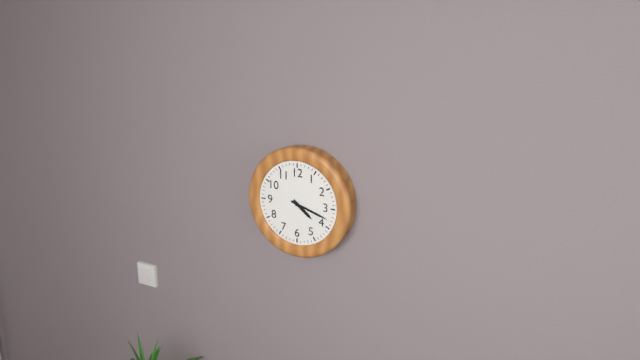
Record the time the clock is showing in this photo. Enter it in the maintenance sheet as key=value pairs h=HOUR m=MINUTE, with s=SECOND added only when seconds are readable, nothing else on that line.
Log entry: h=4 m=18
